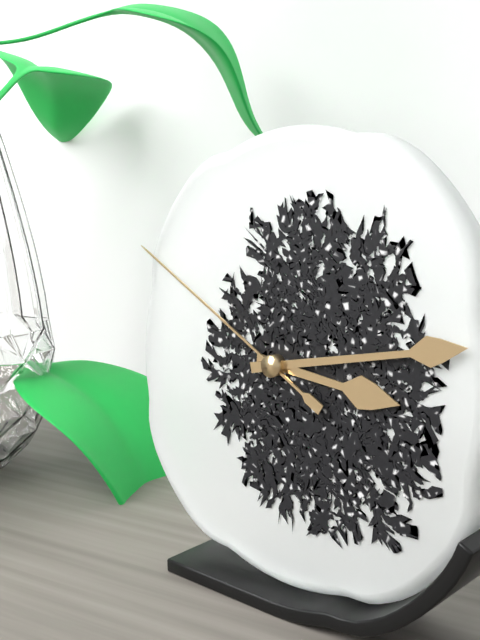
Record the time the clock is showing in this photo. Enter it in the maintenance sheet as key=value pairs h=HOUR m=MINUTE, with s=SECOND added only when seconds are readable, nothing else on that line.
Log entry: h=3 m=13 s=50
